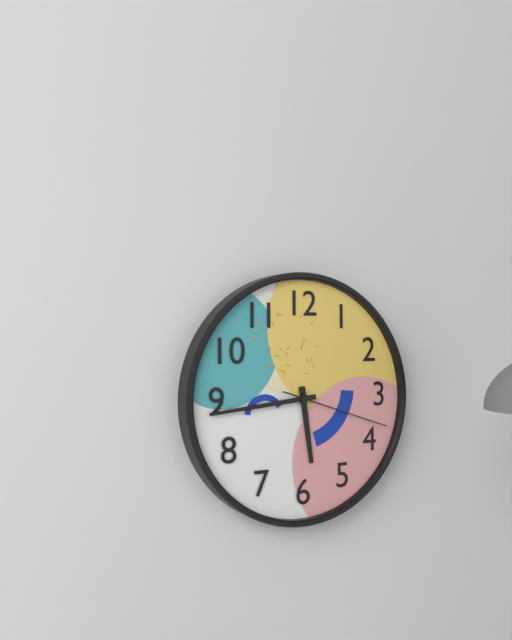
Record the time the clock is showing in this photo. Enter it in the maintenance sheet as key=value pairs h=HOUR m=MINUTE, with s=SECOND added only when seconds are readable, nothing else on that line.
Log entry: h=5 m=44 s=18
